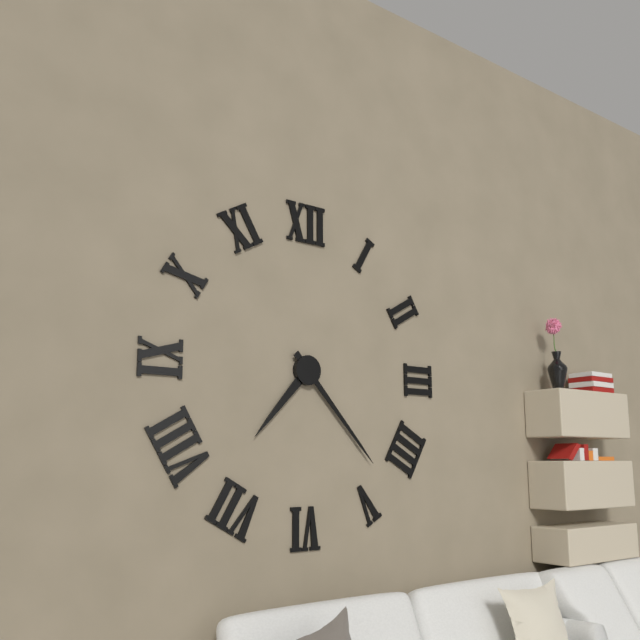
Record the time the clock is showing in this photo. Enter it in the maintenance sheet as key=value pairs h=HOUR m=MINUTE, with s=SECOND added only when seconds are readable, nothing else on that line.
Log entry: h=7 m=23
